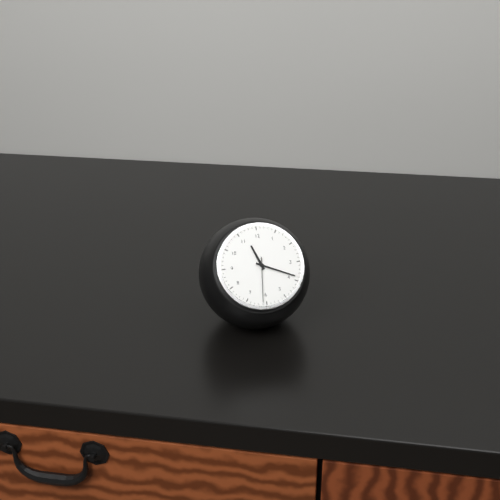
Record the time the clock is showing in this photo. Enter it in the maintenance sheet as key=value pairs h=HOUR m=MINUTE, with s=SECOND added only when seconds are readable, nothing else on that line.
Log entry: h=11 m=19
